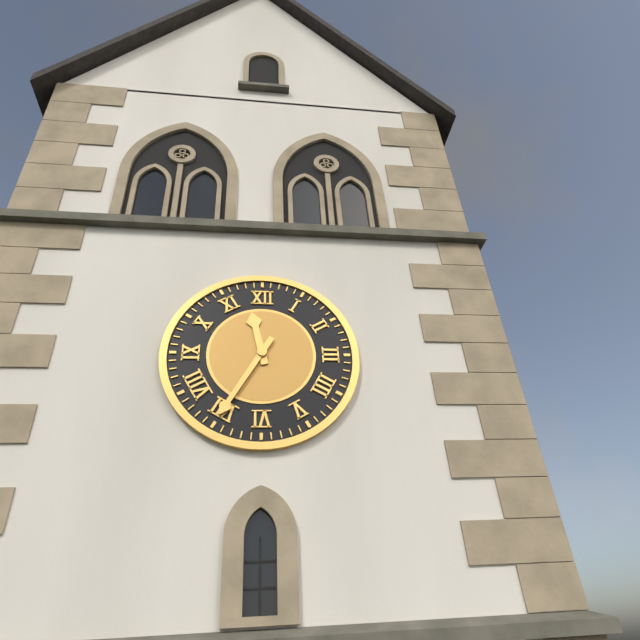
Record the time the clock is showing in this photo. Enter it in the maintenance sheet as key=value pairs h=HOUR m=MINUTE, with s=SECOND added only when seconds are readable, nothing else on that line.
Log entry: h=11 m=35
